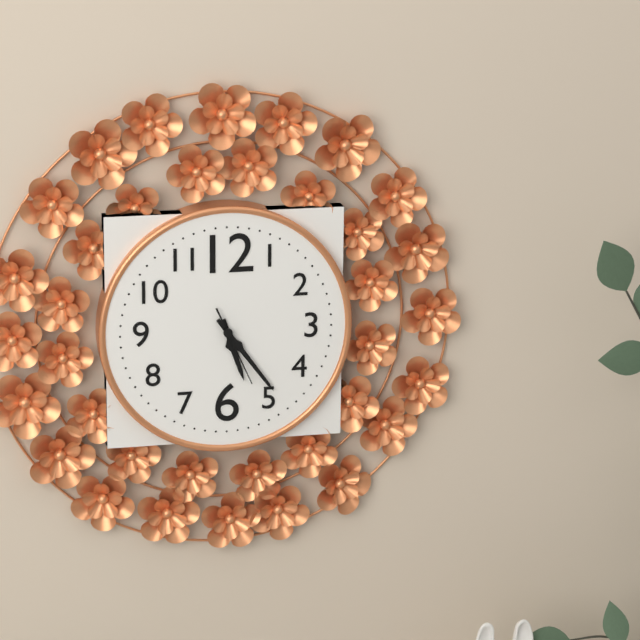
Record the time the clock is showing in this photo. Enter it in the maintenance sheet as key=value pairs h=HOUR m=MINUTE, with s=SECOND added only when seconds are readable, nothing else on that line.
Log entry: h=5 m=24 s=26
